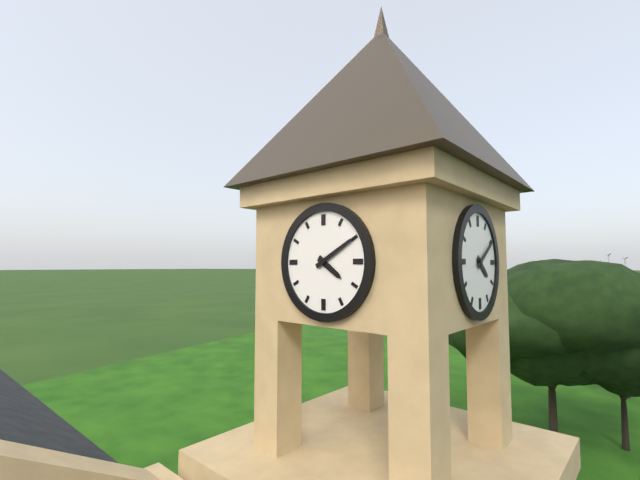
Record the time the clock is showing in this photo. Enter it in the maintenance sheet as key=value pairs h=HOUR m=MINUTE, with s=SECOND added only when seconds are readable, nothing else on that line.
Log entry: h=4 m=10
